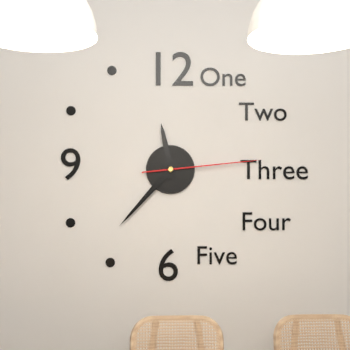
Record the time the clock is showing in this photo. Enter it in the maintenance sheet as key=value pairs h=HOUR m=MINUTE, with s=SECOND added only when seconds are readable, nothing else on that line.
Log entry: h=11 m=37 s=14
